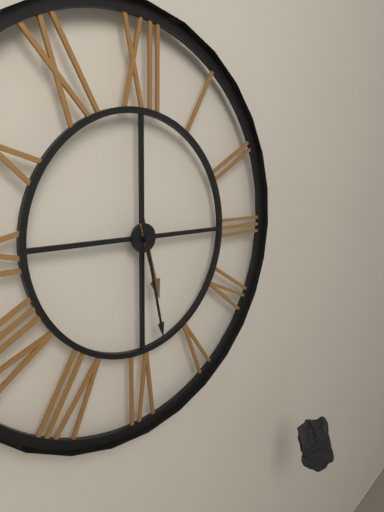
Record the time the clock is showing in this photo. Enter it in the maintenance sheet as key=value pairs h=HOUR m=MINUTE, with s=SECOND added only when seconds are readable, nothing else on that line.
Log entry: h=5 m=28
